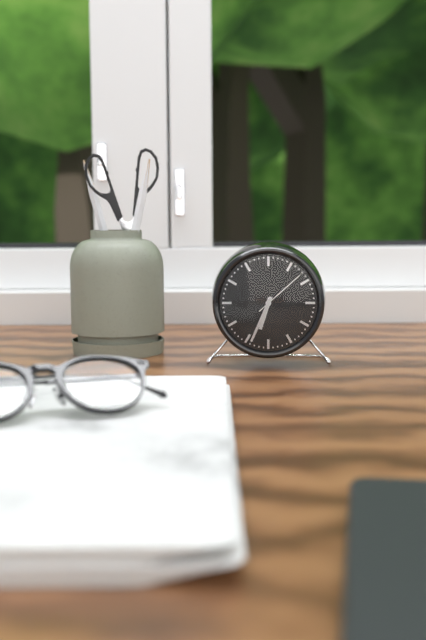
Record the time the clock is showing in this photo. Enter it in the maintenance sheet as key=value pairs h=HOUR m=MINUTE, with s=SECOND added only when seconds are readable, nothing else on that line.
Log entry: h=6 m=34 s=8
